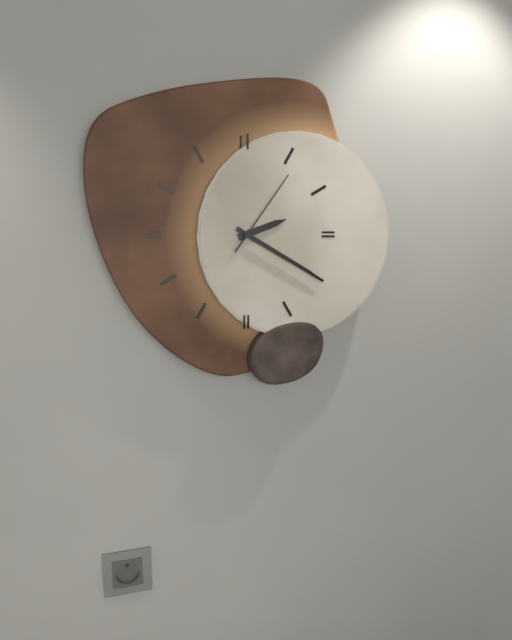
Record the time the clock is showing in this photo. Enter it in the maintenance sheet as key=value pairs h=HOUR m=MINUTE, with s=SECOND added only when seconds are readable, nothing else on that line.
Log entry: h=2 m=20 s=6
